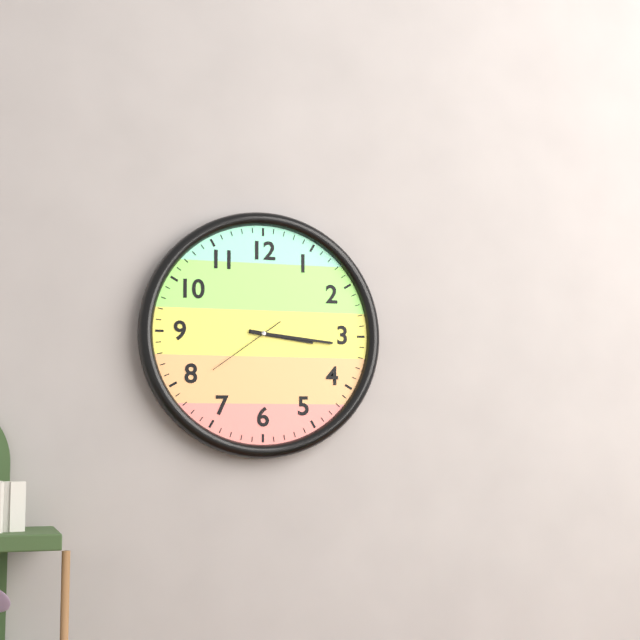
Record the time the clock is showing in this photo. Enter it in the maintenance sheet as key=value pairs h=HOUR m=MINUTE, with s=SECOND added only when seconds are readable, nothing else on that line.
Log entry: h=3 m=16 s=39
